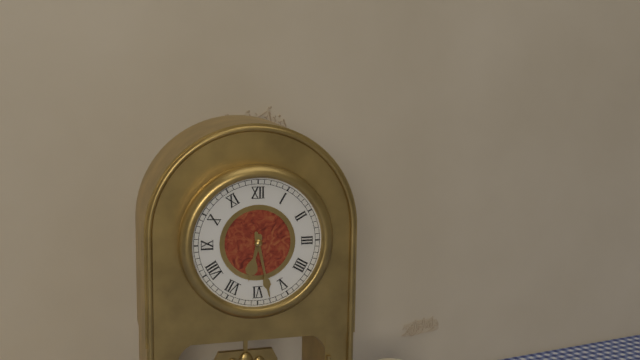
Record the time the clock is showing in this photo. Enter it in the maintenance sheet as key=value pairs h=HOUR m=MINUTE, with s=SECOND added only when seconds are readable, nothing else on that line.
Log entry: h=6 m=28
